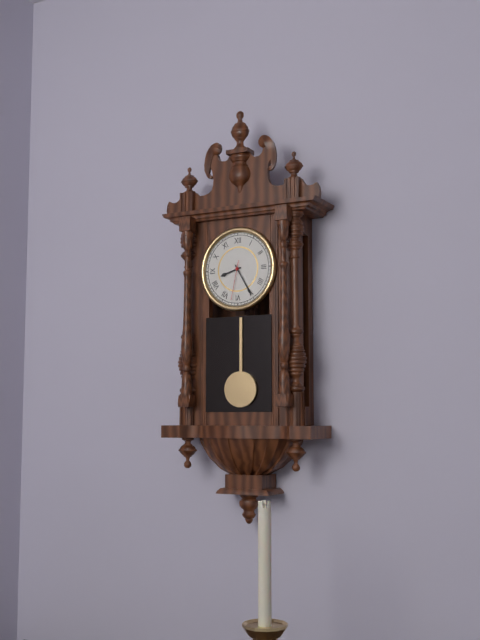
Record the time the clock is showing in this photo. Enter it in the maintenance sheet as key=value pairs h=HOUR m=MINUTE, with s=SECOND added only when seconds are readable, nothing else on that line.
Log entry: h=8 m=25
